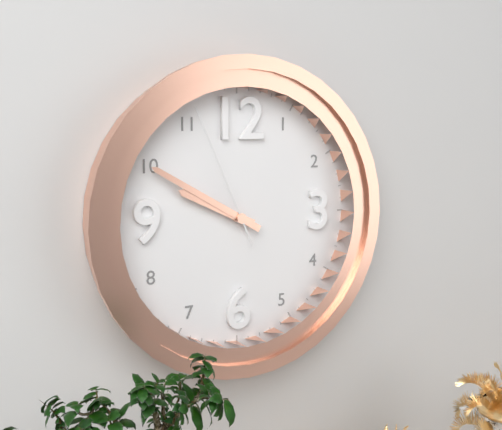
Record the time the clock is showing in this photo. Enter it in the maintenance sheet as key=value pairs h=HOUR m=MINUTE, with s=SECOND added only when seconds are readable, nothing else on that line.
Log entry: h=9 m=50 s=56
